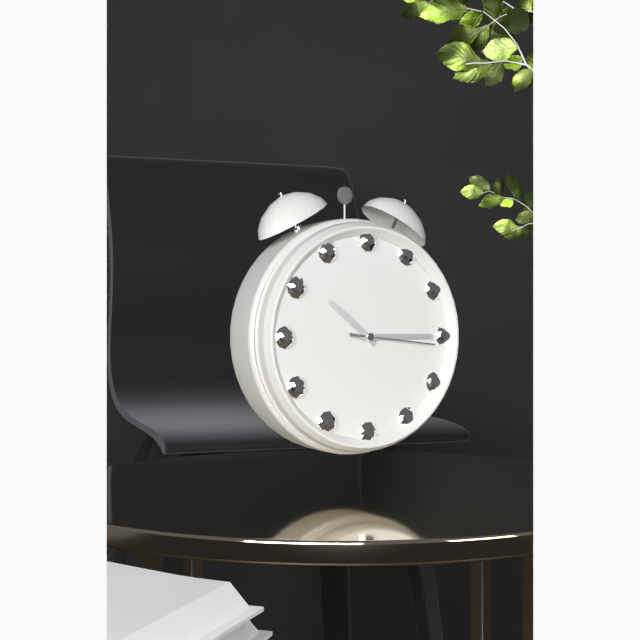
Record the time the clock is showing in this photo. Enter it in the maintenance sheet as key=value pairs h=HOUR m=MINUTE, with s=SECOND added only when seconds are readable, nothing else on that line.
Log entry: h=10 m=15 s=16
